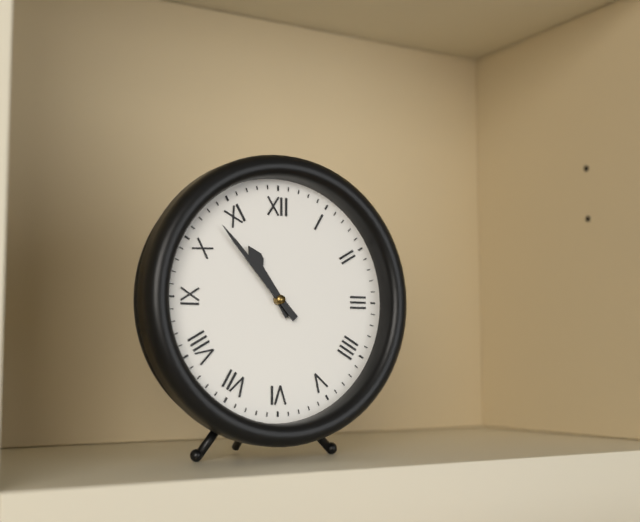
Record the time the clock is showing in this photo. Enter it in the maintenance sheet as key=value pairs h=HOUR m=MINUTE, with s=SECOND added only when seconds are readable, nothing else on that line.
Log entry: h=10 m=53
